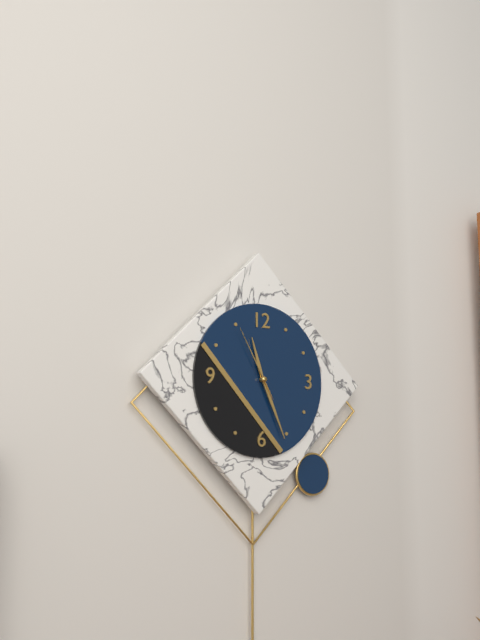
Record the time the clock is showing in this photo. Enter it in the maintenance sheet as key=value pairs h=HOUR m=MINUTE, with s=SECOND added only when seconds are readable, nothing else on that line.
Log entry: h=11 m=26 s=55
